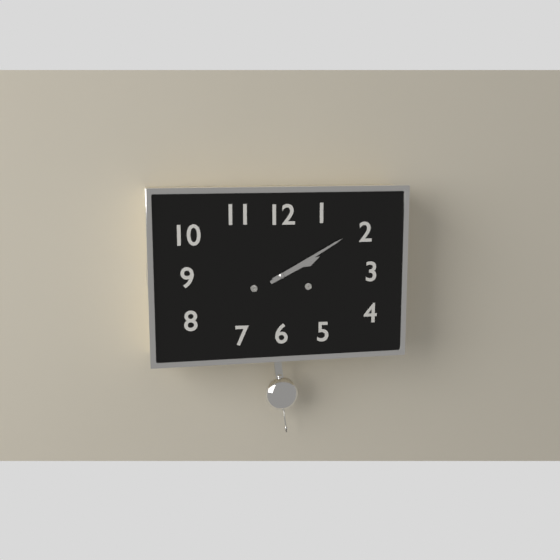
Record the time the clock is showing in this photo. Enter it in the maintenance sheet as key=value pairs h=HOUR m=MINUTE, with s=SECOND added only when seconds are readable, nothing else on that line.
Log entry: h=2 m=10
